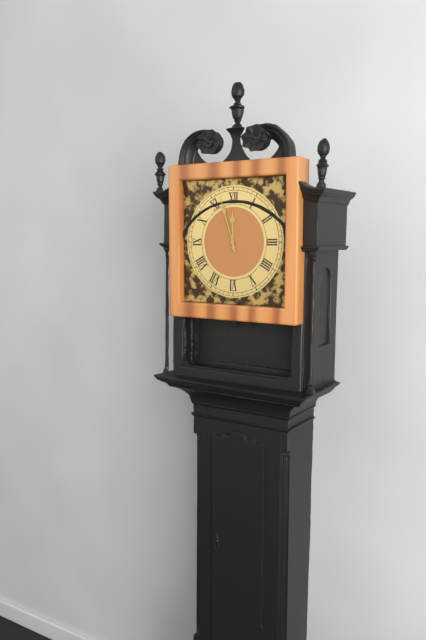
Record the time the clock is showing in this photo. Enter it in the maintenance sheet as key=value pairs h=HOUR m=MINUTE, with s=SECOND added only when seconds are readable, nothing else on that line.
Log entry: h=11 m=57
